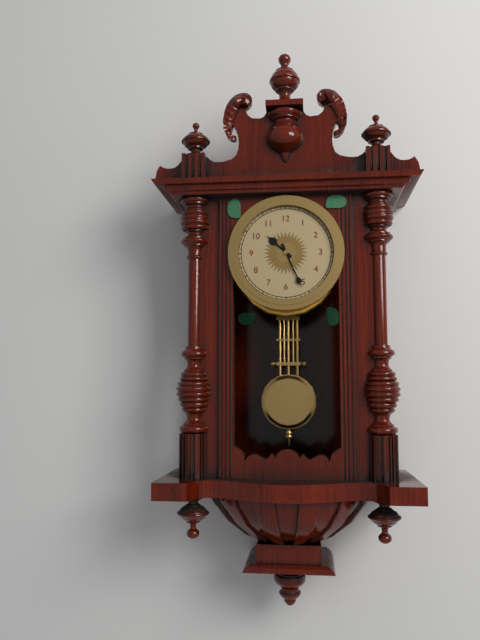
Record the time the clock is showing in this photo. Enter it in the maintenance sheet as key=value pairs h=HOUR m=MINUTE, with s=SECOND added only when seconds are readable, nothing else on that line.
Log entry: h=10 m=26
